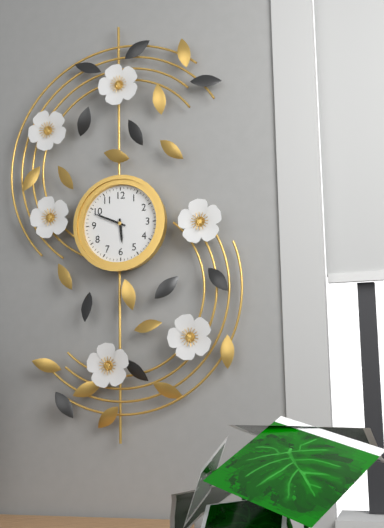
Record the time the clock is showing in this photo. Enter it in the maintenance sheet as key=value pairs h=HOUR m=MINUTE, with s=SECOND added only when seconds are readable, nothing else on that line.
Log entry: h=5 m=49
